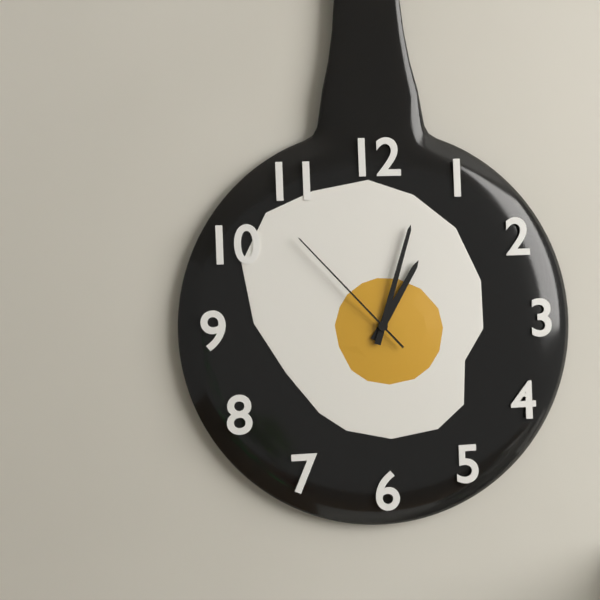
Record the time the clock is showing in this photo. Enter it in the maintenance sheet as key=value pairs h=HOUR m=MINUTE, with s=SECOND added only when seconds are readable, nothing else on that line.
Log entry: h=1 m=3 s=53
